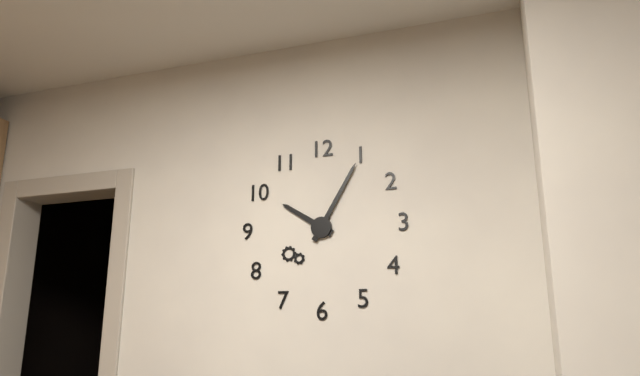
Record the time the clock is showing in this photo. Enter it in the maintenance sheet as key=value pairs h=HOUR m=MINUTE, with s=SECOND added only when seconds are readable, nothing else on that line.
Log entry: h=10 m=5
